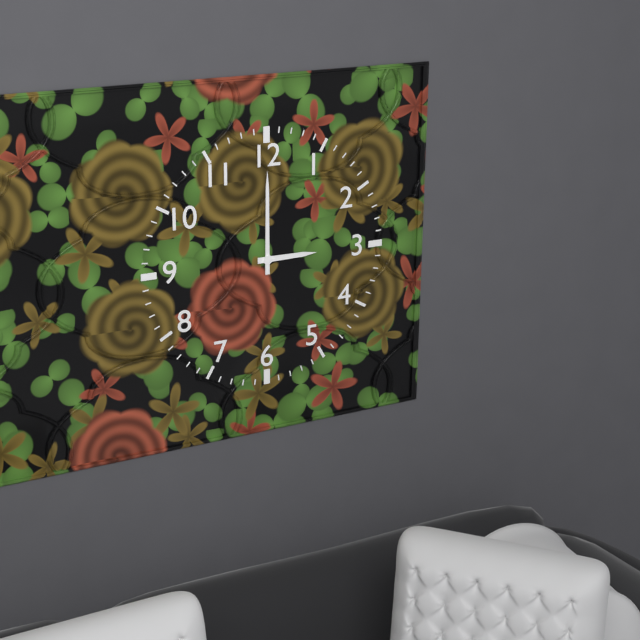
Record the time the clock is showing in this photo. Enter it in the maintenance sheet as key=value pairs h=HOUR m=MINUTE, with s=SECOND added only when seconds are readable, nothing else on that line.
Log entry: h=3 m=0
